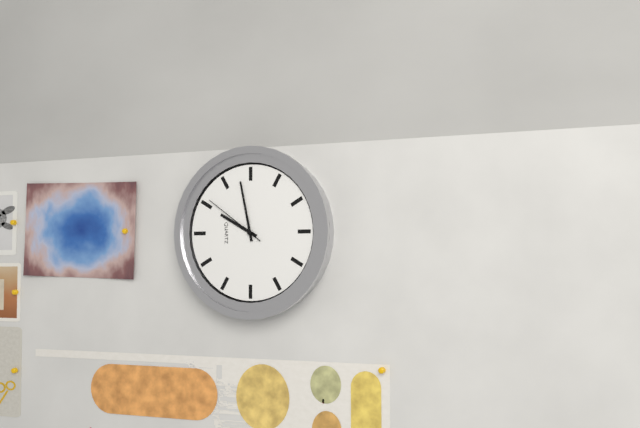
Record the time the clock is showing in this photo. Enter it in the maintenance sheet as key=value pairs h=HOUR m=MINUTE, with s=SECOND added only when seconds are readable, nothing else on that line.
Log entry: h=9 m=58 s=51
